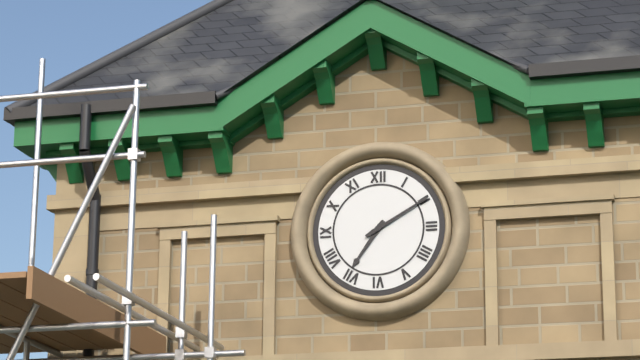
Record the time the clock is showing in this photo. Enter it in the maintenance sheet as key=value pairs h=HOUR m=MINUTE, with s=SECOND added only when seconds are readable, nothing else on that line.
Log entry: h=7 m=10
